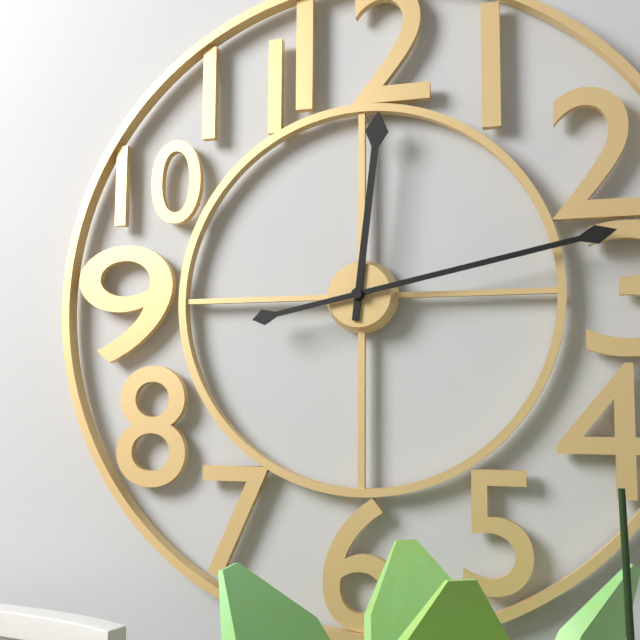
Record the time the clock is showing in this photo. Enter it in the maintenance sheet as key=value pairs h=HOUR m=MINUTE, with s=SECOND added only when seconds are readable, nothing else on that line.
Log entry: h=12 m=13
